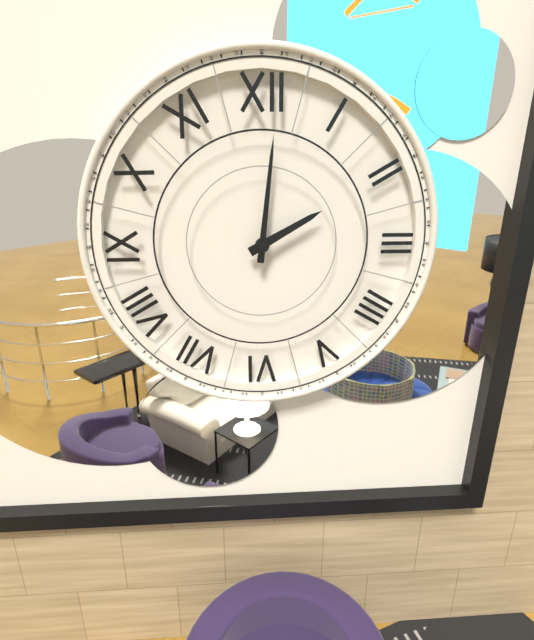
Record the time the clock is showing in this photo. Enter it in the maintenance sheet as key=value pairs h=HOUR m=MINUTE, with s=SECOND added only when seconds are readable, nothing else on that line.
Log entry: h=2 m=1
